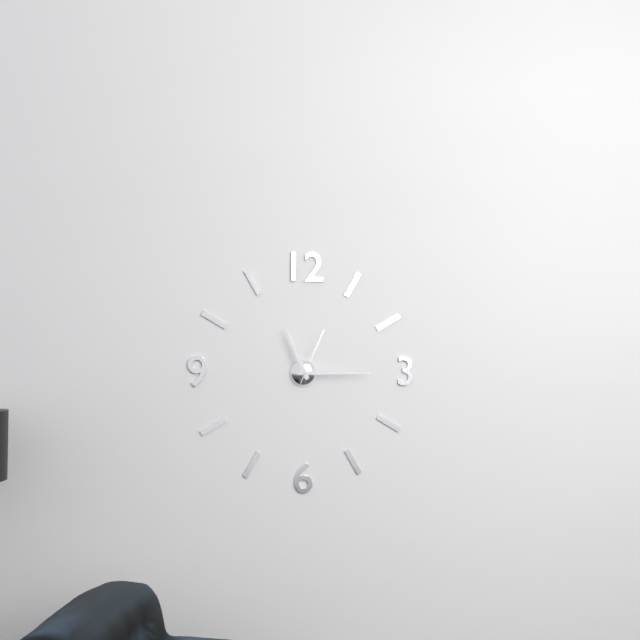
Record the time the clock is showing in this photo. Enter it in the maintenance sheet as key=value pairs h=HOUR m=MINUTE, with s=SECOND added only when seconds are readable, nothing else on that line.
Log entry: h=11 m=15 s=4
